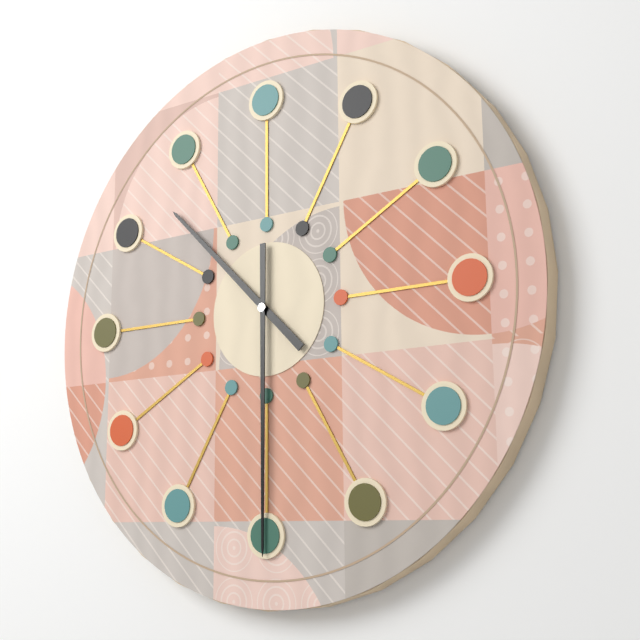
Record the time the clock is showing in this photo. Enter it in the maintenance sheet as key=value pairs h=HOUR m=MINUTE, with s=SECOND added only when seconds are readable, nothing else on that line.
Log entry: h=10 m=30
